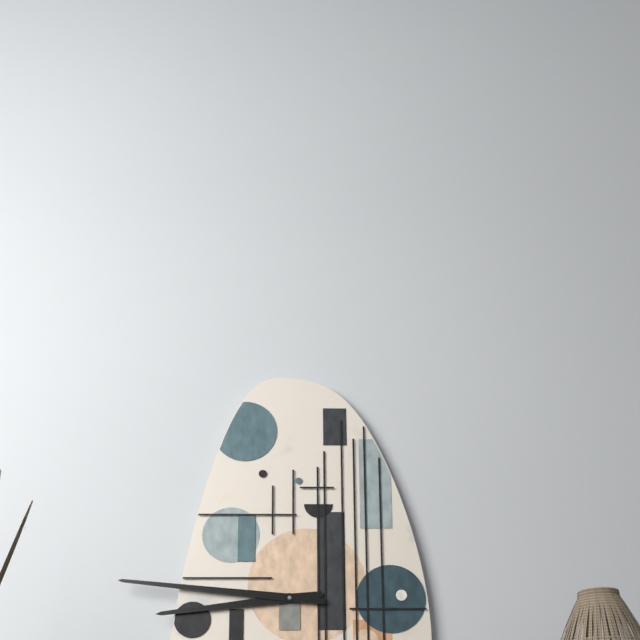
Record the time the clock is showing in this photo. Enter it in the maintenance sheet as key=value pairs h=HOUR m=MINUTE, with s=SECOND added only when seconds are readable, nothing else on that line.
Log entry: h=8 m=46
